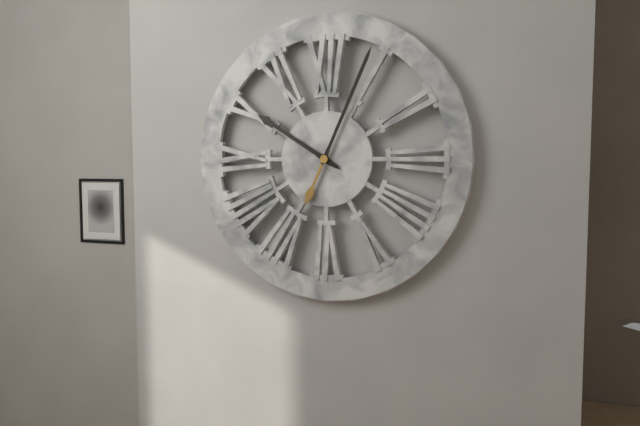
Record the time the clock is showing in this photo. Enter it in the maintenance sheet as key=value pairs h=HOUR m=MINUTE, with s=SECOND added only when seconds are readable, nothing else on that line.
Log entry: h=10 m=4
